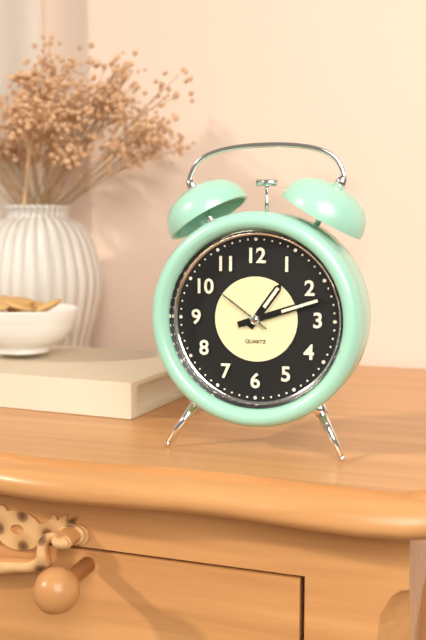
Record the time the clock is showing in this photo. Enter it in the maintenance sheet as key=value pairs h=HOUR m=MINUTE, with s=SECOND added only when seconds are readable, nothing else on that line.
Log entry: h=1 m=12 s=51
